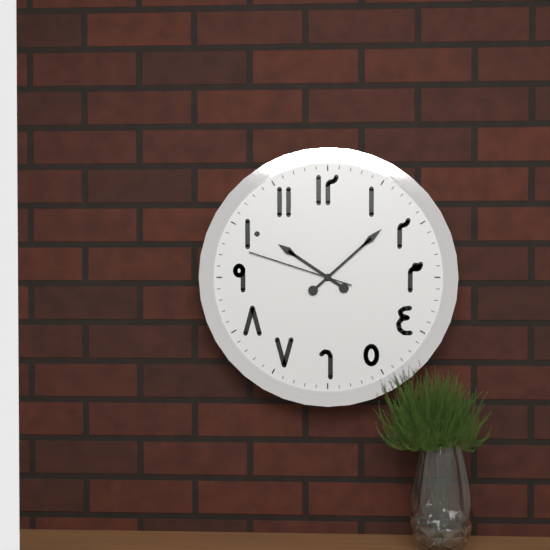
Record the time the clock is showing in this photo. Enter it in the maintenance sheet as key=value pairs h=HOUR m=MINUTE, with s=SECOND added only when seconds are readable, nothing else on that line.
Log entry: h=10 m=8 s=48
